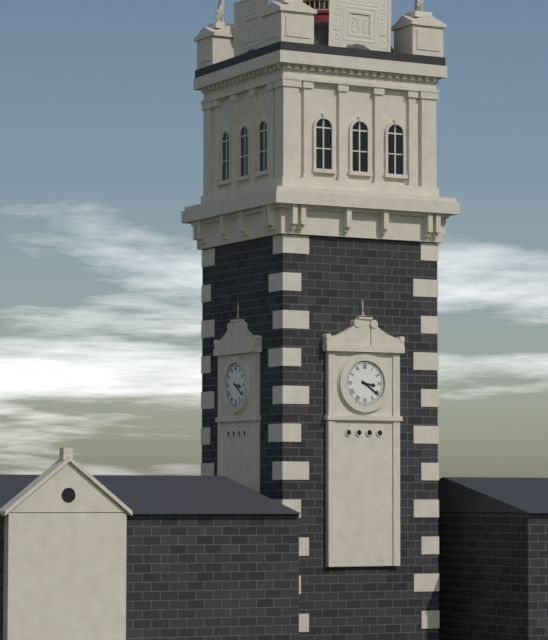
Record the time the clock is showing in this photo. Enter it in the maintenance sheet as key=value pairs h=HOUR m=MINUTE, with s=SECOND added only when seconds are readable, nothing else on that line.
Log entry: h=3 m=21
